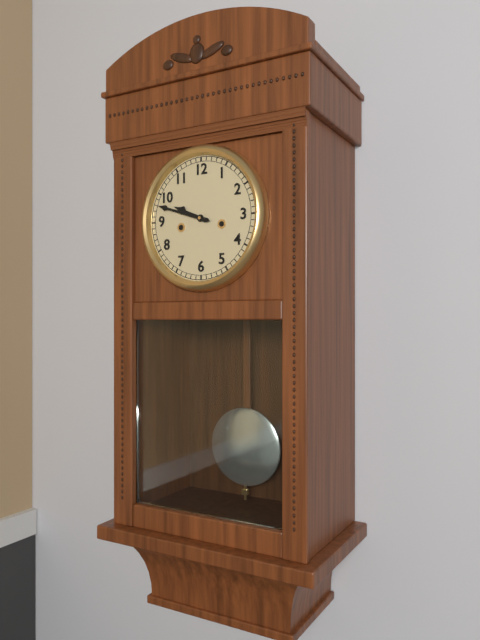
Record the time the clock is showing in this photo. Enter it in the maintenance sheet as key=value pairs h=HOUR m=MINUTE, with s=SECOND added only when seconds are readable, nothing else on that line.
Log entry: h=9 m=48
